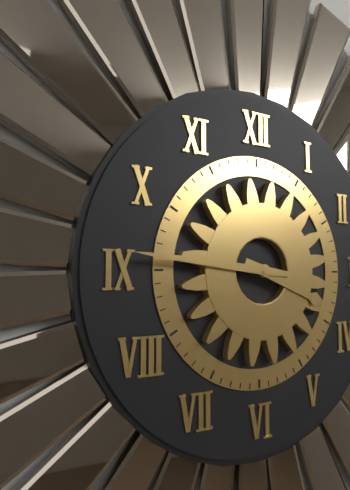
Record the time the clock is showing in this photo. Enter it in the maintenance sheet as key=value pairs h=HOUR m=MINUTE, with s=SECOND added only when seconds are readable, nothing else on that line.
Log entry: h=3 m=46
